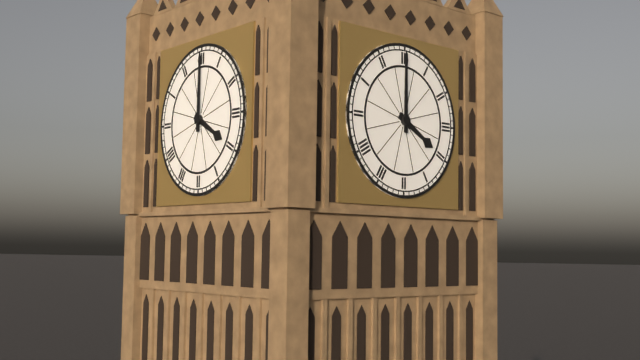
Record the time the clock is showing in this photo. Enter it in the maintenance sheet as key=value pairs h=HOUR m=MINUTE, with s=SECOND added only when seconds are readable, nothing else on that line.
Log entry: h=4 m=0
